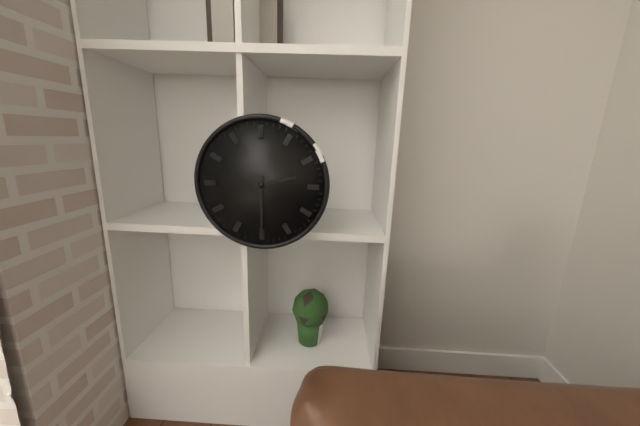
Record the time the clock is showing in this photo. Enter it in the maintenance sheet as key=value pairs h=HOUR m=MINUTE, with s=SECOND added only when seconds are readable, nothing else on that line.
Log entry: h=2 m=30
